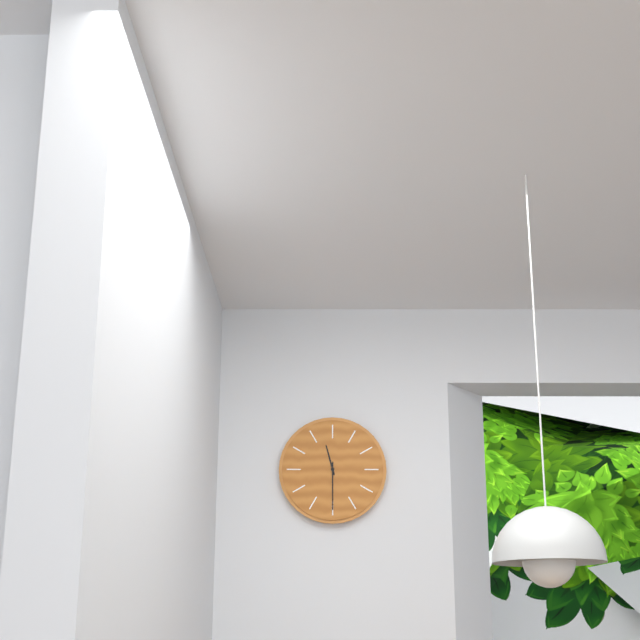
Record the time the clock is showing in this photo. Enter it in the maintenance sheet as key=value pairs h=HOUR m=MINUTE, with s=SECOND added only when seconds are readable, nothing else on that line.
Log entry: h=11 m=30
